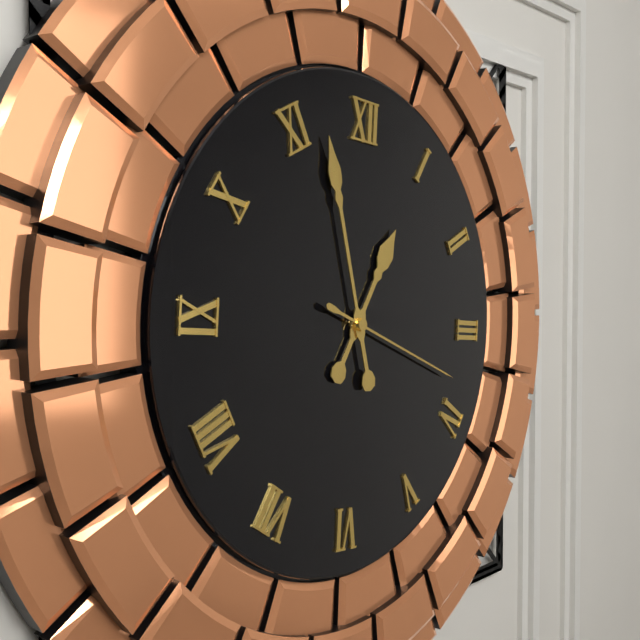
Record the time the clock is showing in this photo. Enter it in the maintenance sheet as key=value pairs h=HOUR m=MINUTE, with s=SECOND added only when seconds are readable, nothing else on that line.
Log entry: h=12 m=57 s=18
